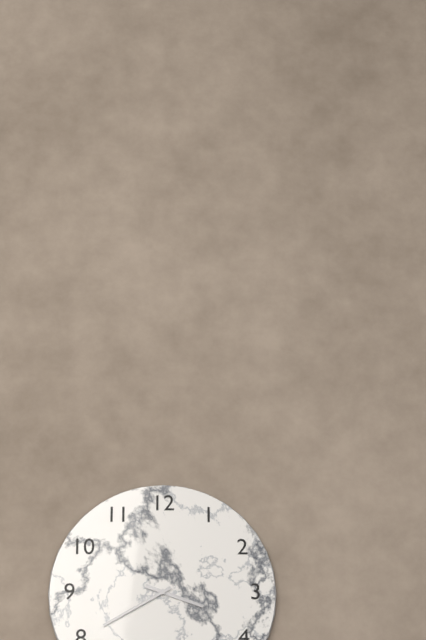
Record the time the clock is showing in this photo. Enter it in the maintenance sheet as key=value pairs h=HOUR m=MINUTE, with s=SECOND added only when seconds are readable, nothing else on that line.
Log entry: h=3 m=40
